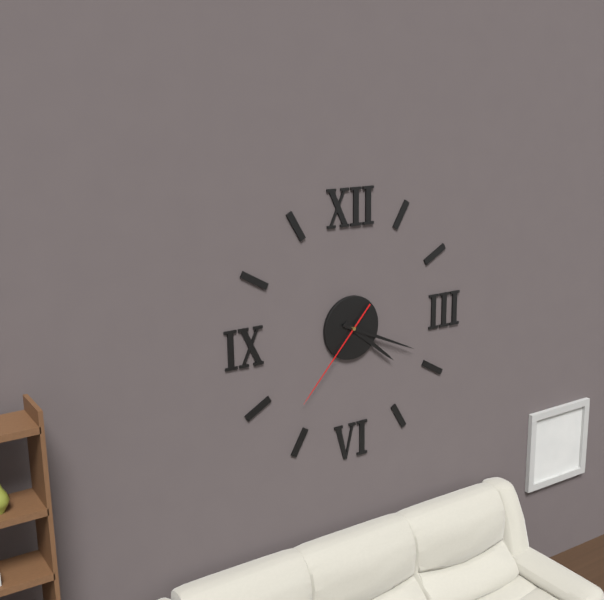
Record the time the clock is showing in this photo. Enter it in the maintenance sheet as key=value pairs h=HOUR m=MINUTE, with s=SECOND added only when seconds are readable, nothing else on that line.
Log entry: h=4 m=19 s=37
